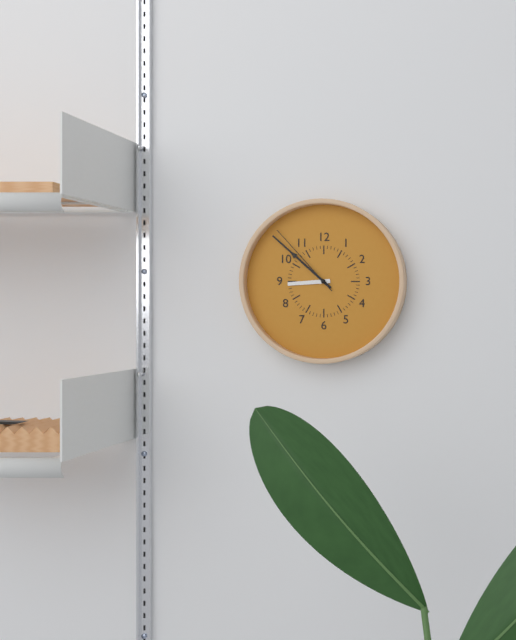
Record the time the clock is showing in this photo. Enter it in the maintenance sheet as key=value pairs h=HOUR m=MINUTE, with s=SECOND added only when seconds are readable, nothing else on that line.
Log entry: h=8 m=52 s=53
